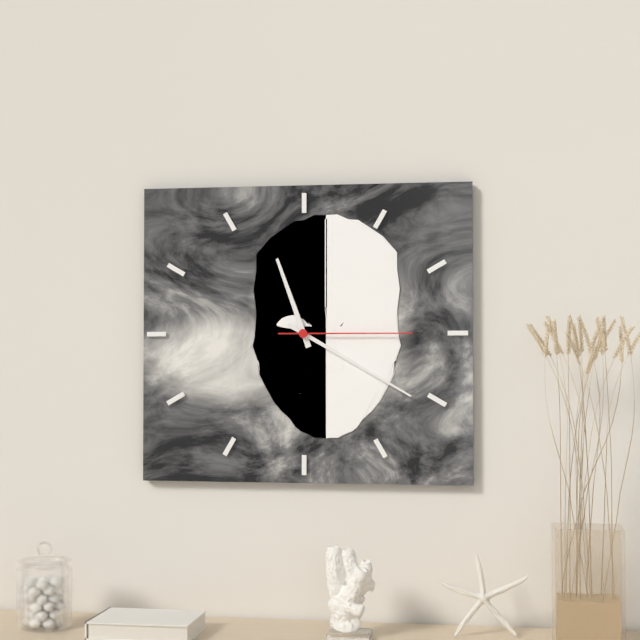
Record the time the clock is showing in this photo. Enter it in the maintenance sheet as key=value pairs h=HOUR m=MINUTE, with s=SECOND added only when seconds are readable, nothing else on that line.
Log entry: h=11 m=20 s=15
